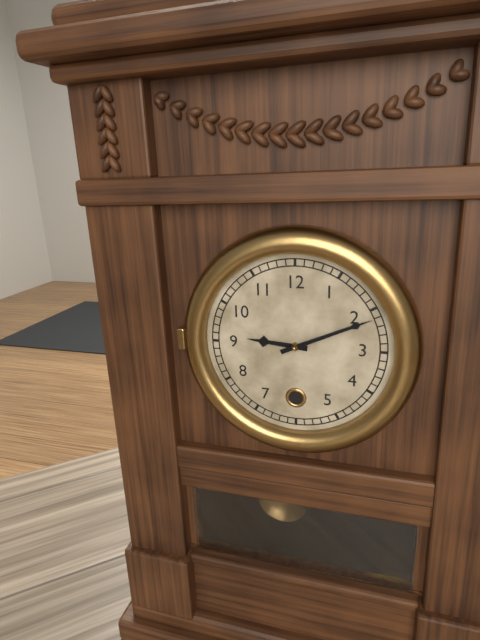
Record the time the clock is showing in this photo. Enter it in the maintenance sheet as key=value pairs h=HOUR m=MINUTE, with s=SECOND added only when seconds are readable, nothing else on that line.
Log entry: h=9 m=11
